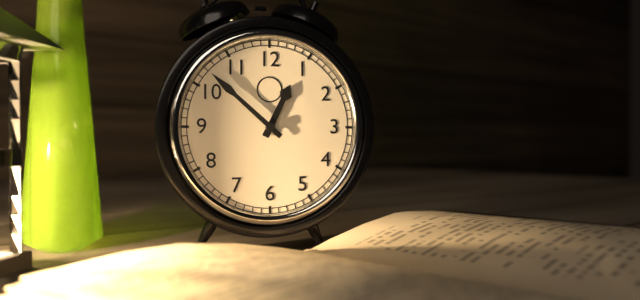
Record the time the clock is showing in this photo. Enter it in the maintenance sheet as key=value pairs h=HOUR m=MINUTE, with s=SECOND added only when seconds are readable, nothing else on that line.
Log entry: h=12 m=52
